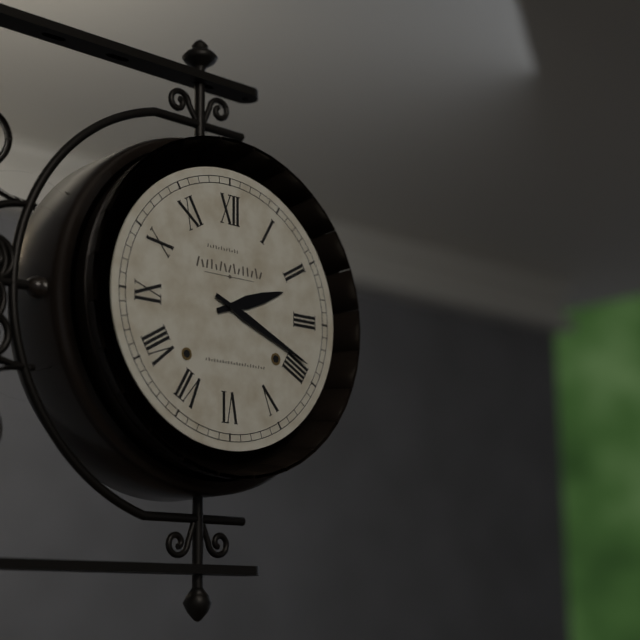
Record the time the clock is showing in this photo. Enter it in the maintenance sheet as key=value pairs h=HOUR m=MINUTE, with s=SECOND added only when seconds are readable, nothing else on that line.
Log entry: h=2 m=19
